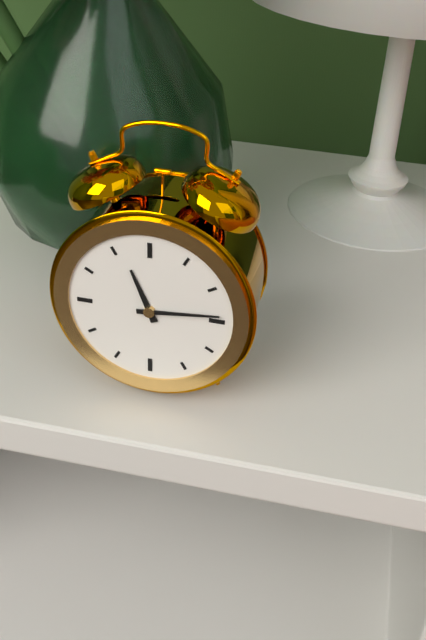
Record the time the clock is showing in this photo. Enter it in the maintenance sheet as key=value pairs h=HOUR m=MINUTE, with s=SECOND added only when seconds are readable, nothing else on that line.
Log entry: h=11 m=14
